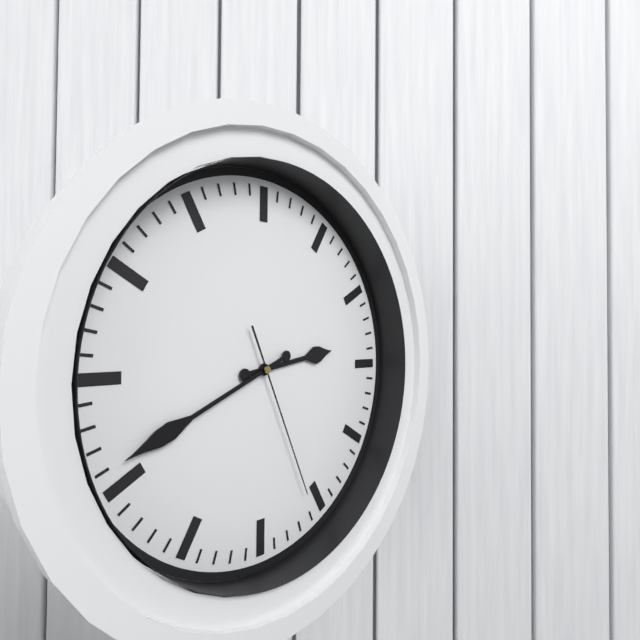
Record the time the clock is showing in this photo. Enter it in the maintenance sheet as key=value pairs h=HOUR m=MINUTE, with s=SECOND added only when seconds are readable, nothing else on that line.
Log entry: h=2 m=41 s=26
